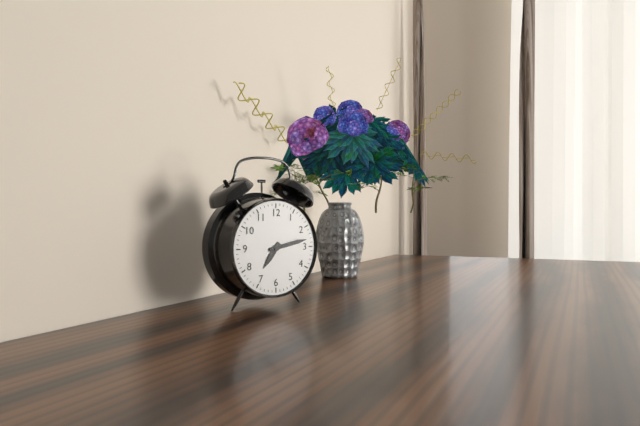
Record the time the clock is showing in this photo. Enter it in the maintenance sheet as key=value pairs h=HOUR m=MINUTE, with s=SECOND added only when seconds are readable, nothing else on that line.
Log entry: h=7 m=13
